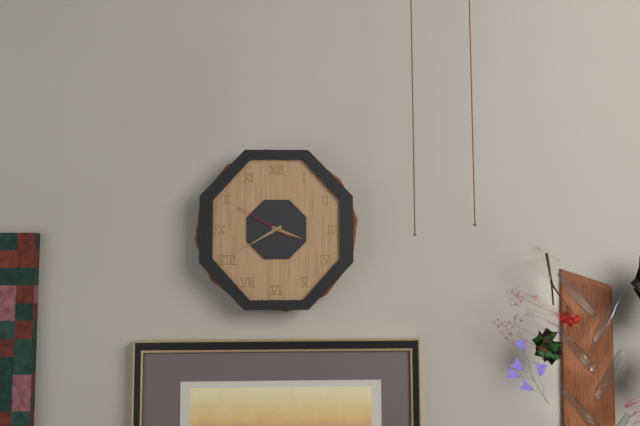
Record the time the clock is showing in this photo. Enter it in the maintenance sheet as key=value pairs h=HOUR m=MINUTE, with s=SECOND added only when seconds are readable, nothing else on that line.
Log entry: h=3 m=40 s=50
